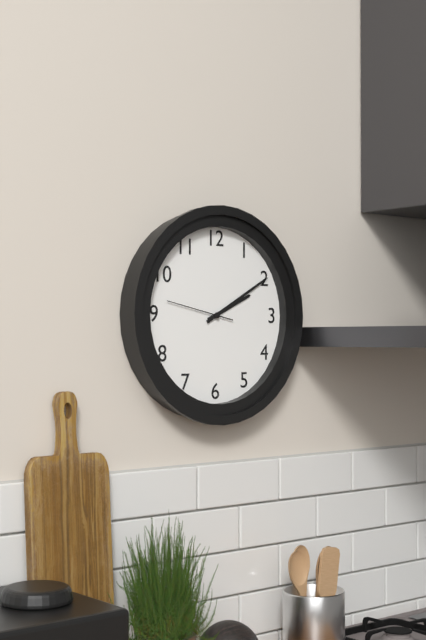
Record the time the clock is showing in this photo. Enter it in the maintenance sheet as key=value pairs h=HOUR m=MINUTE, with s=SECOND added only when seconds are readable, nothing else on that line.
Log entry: h=2 m=10 s=47
